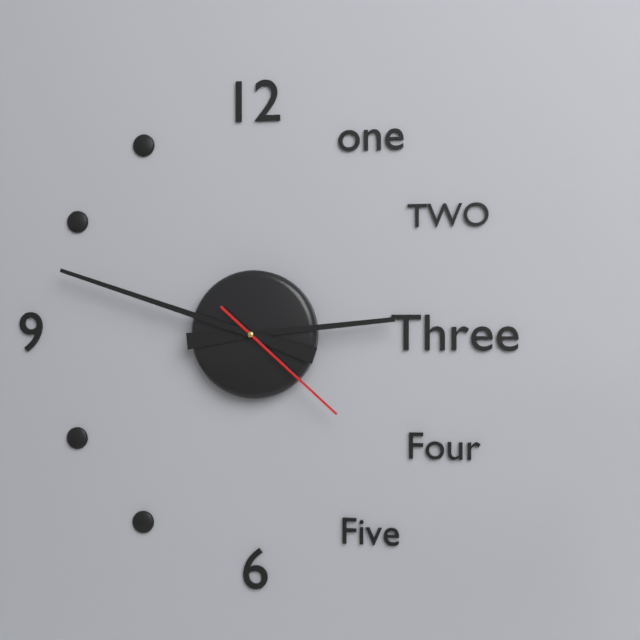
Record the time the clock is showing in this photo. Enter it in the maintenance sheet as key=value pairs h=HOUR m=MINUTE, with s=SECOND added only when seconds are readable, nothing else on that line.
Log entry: h=2 m=48 s=22
